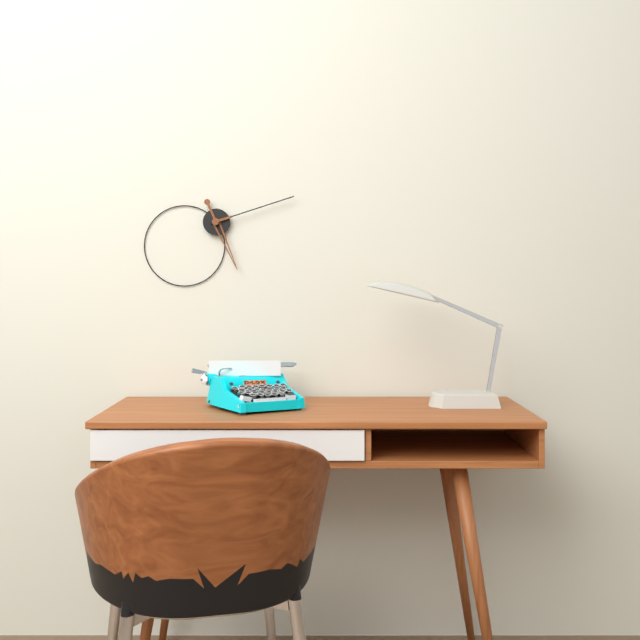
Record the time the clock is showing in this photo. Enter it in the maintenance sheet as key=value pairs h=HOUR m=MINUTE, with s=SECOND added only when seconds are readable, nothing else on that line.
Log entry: h=5 m=12
